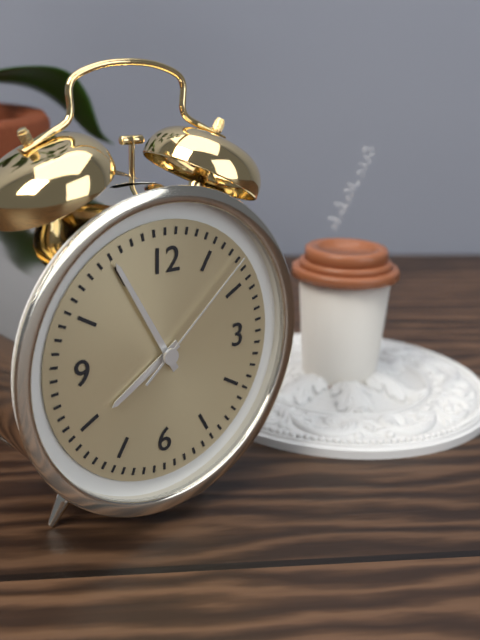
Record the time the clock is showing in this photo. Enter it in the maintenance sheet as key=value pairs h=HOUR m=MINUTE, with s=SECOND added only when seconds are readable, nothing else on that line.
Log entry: h=7 m=55 s=8
